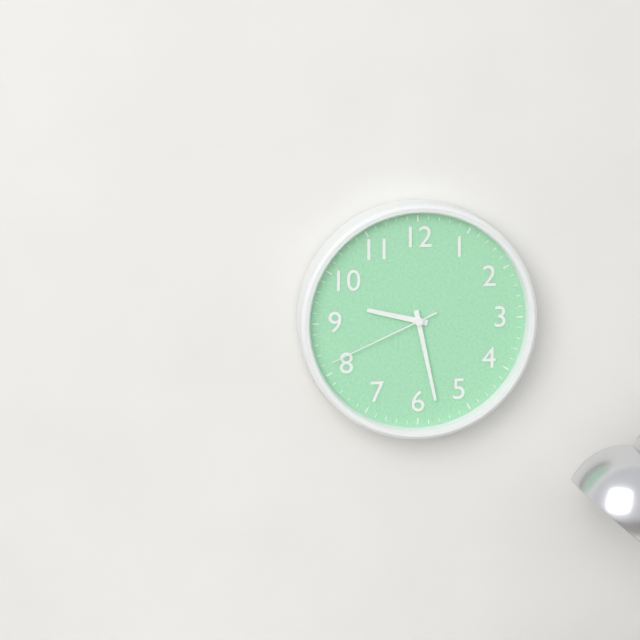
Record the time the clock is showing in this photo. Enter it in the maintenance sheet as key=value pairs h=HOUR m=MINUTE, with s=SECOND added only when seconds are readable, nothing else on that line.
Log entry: h=9 m=28 s=41
